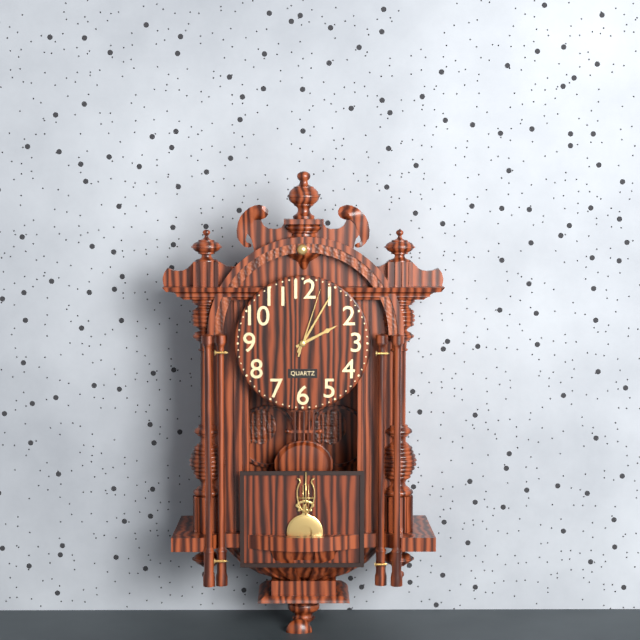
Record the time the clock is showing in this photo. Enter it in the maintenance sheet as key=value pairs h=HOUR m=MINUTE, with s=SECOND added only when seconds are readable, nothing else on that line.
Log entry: h=2 m=5 s=3
